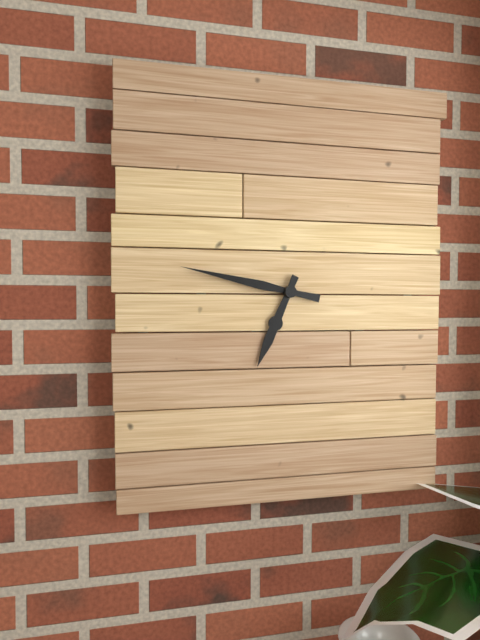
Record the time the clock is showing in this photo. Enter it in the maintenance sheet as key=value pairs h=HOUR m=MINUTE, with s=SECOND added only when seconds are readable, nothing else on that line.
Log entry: h=6 m=47
